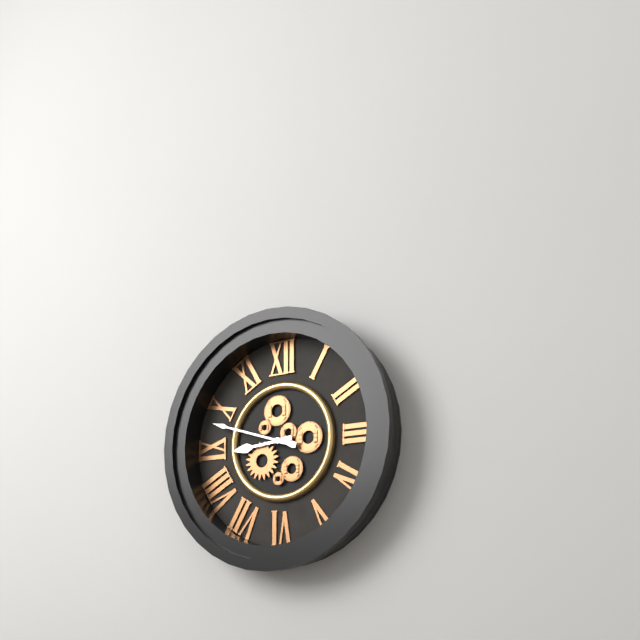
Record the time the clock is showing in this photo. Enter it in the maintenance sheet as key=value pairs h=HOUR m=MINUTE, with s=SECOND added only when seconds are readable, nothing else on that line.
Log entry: h=8 m=48
